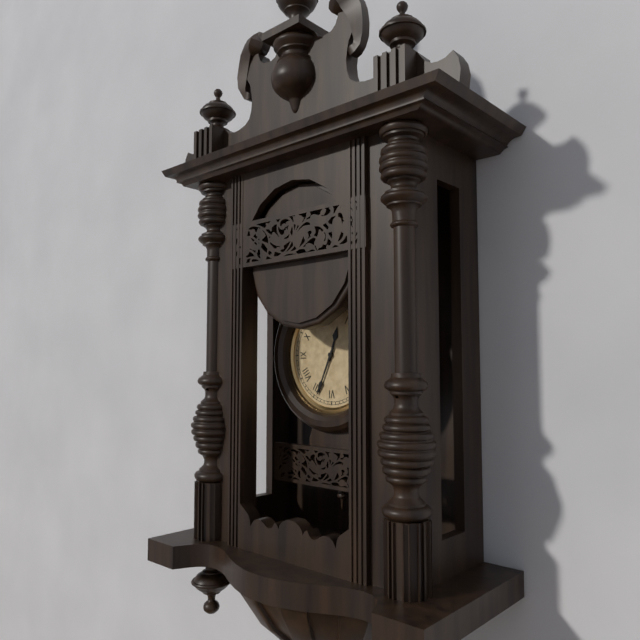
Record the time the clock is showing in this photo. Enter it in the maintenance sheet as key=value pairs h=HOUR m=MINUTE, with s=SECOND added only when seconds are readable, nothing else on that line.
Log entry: h=12 m=34
